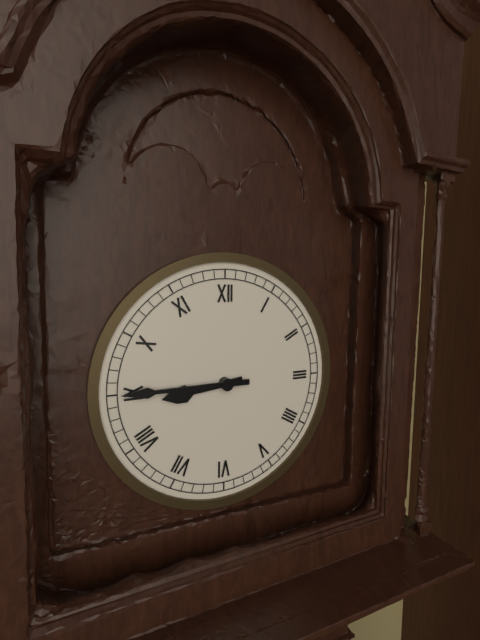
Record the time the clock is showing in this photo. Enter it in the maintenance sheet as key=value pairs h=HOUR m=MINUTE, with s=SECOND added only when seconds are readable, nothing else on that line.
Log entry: h=8 m=45
